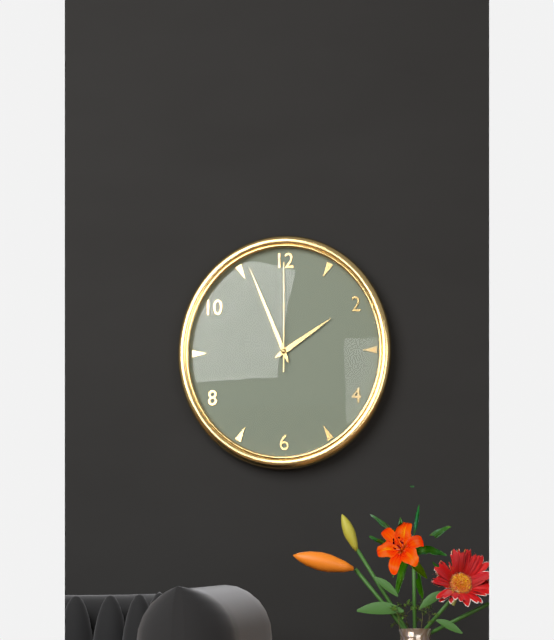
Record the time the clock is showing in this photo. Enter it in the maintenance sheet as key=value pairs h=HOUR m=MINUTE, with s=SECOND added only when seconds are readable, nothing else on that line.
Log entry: h=1 m=56 s=0
